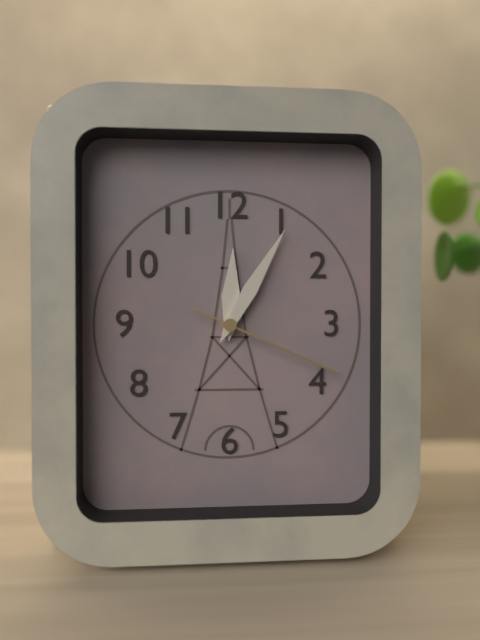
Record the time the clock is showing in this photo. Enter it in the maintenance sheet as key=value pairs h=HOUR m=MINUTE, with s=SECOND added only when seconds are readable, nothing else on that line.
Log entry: h=12 m=5 s=19
